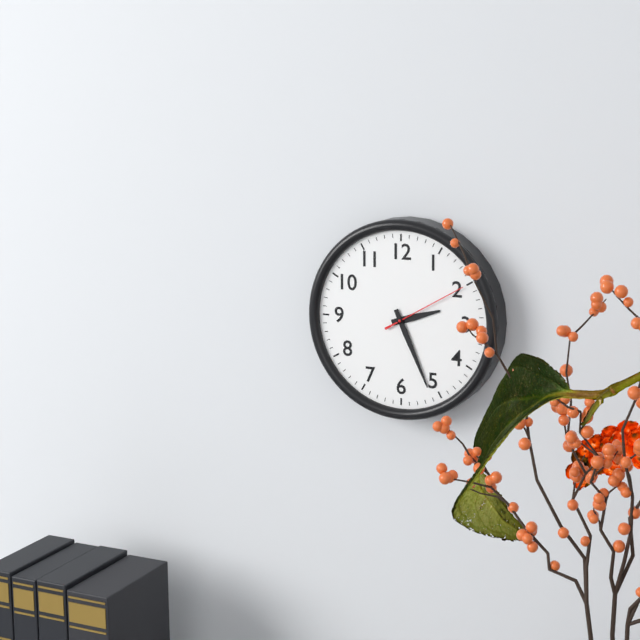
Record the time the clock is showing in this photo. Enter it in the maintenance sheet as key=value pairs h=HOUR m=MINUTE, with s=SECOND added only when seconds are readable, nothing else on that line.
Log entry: h=2 m=26 s=10
